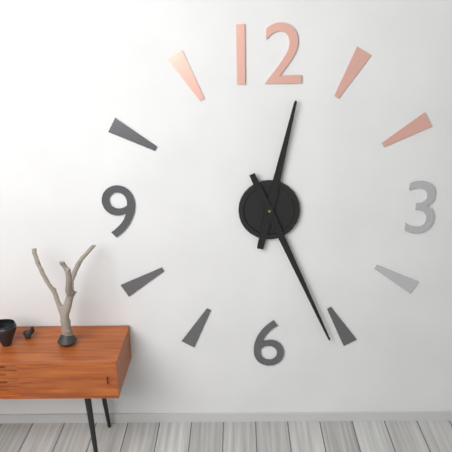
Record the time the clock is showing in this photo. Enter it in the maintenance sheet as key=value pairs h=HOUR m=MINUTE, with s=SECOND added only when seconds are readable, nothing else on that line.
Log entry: h=12 m=26
